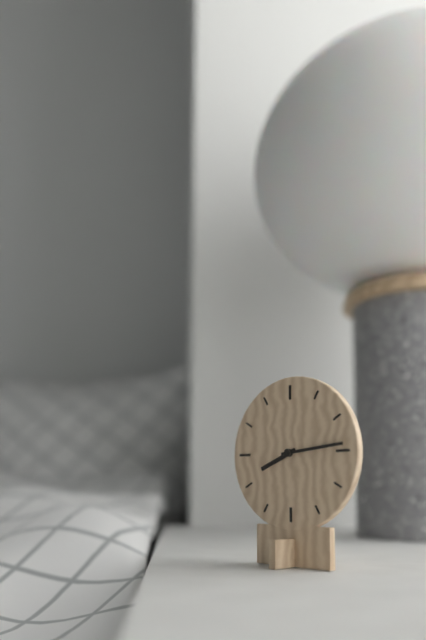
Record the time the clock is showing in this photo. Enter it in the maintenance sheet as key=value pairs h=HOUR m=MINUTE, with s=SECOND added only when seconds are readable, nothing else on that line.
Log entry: h=8 m=14
